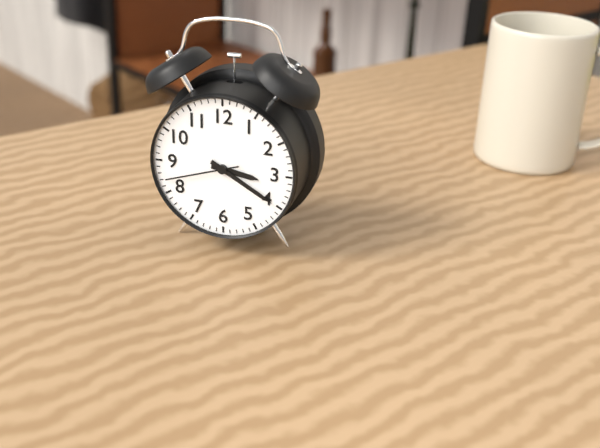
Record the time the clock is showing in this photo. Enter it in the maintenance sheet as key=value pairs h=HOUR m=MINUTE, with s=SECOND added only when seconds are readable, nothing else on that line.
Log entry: h=3 m=20 s=42
